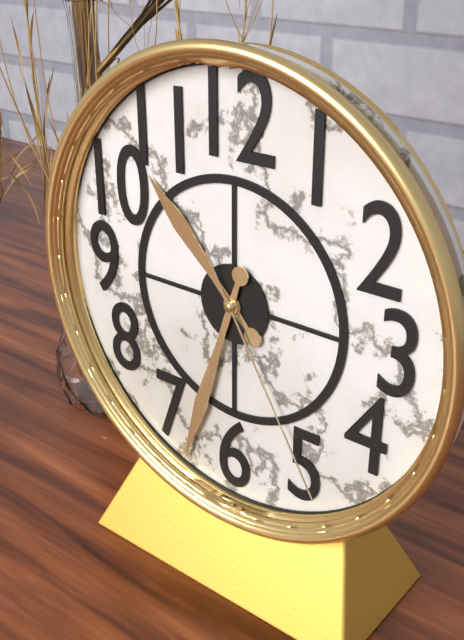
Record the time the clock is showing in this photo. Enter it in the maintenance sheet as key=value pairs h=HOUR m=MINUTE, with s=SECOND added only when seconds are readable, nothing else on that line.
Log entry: h=10 m=33 s=25
